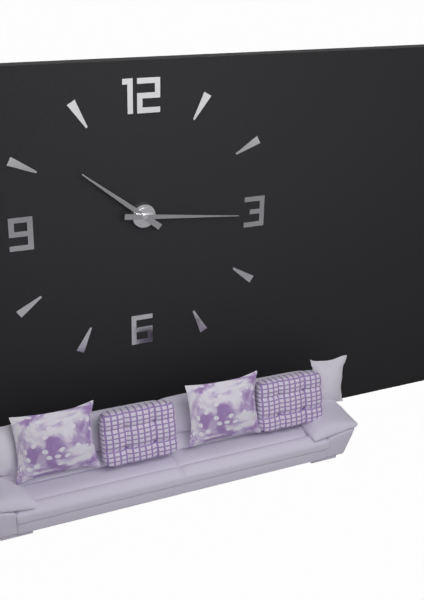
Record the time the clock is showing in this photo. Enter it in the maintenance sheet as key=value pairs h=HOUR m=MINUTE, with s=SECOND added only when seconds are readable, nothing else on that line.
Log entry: h=10 m=16
